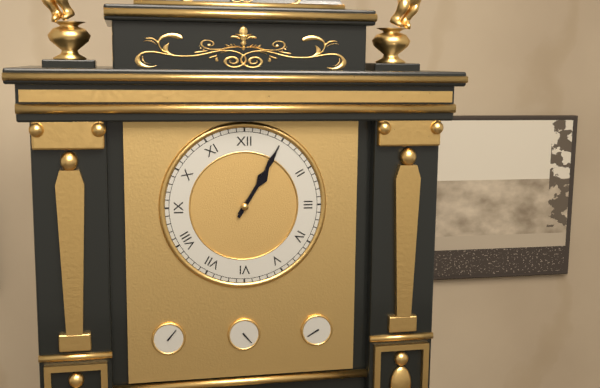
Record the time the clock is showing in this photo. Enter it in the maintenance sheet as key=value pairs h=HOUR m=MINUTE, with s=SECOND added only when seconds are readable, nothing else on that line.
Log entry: h=1 m=5
